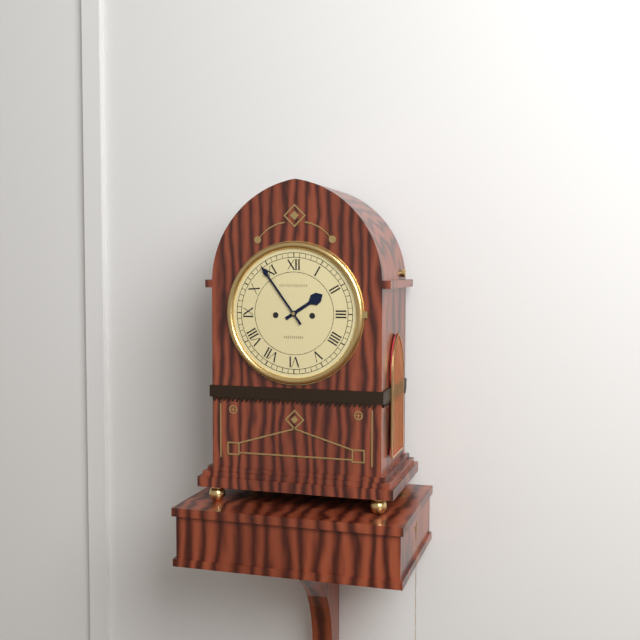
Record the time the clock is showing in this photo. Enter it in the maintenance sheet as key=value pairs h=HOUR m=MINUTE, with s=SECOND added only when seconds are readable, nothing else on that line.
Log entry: h=1 m=54
